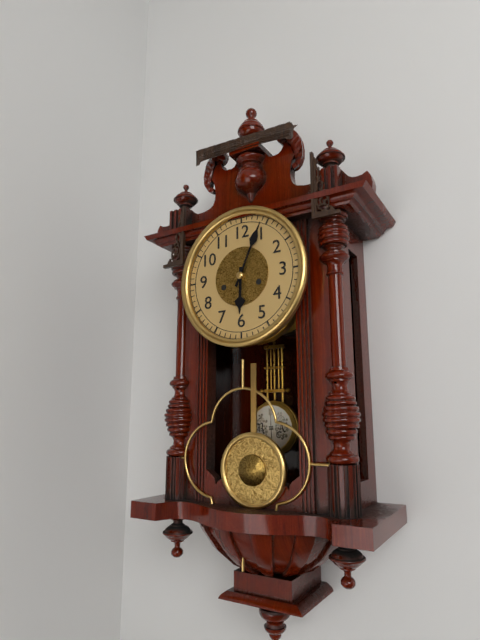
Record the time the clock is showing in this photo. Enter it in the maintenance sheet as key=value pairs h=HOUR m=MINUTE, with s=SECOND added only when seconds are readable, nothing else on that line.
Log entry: h=6 m=4
